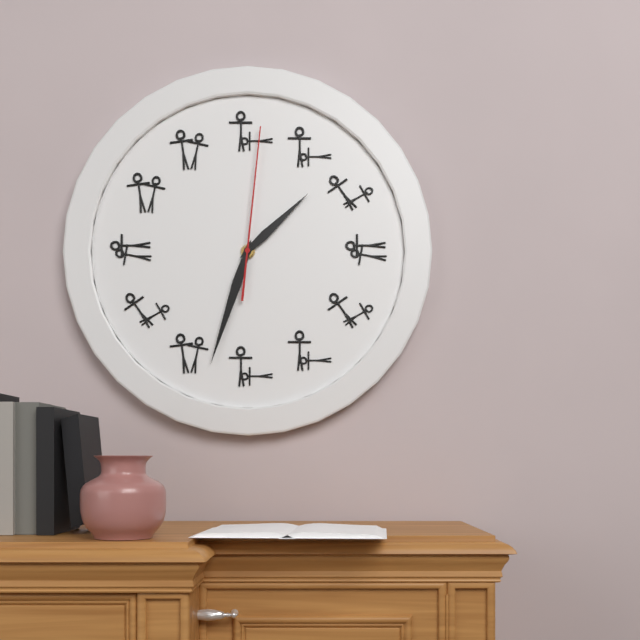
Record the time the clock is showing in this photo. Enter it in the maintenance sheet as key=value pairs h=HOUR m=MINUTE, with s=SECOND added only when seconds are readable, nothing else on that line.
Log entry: h=1 m=33 s=1
